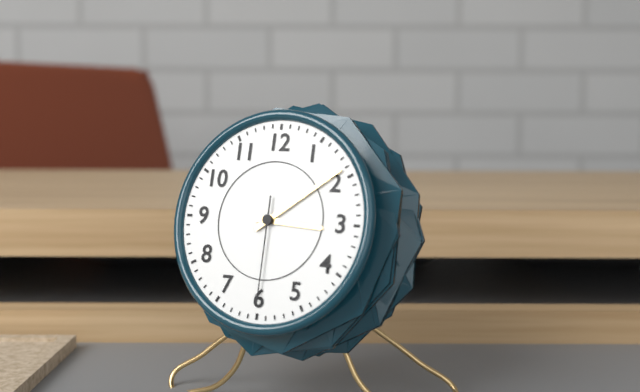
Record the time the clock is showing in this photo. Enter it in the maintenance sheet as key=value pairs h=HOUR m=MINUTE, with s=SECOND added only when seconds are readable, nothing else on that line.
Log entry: h=3 m=9 s=30
